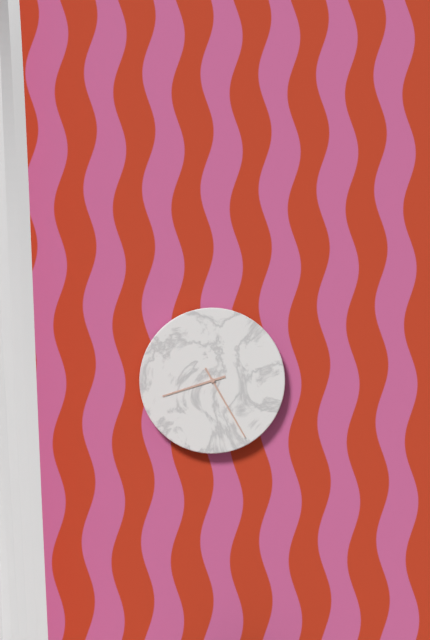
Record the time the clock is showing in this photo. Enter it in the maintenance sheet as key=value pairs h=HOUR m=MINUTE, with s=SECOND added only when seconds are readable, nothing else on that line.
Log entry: h=8 m=25
